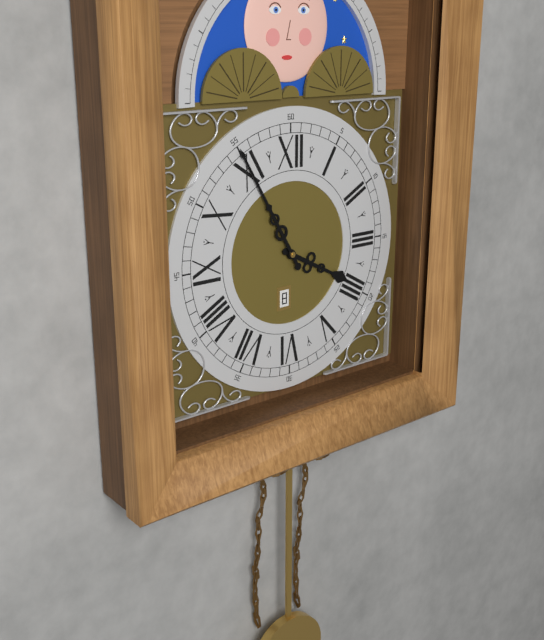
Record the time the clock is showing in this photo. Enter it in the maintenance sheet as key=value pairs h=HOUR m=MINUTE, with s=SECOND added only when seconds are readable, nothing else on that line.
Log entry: h=3 m=55
